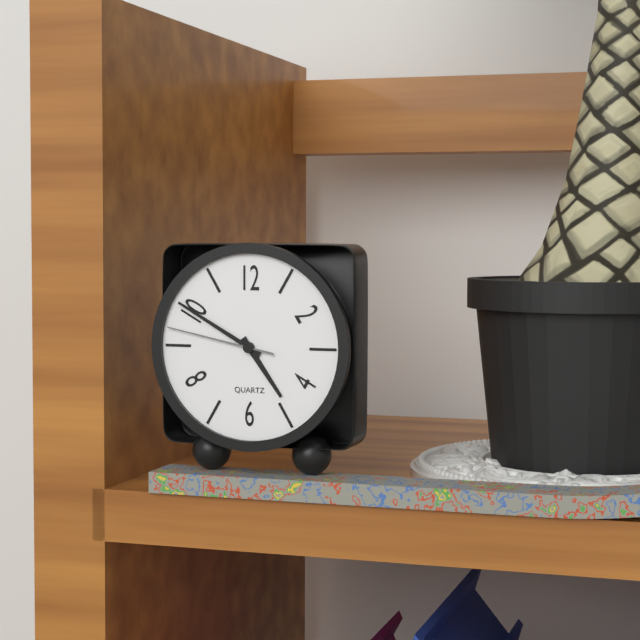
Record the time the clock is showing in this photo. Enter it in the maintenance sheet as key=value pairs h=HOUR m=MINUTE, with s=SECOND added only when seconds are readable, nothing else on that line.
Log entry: h=4 m=50 s=47
